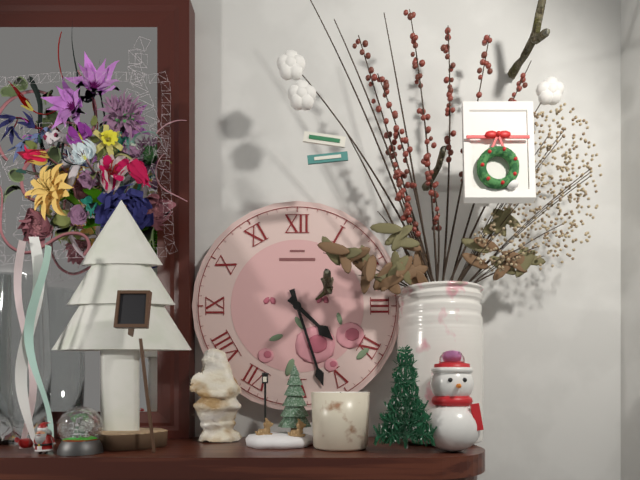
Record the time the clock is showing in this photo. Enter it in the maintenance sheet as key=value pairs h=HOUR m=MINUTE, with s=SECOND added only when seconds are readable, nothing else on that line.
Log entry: h=4 m=27
